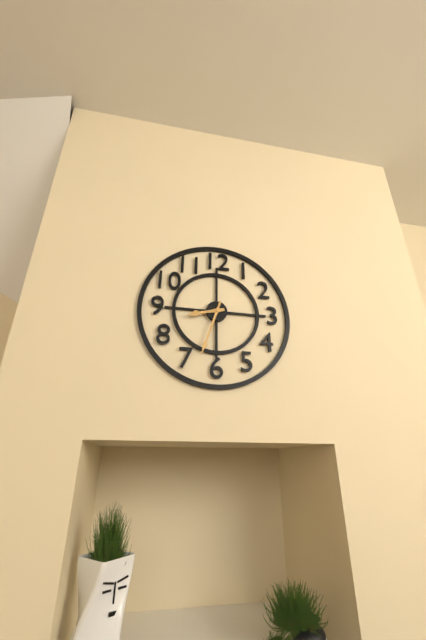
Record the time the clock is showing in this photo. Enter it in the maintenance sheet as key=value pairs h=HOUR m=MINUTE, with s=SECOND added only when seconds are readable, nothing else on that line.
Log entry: h=8 m=33
